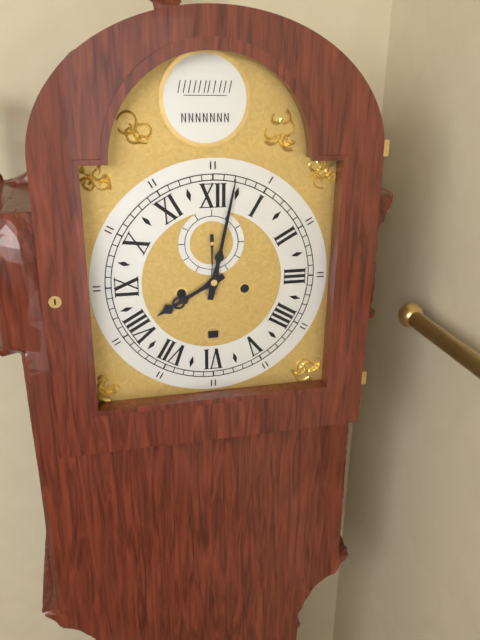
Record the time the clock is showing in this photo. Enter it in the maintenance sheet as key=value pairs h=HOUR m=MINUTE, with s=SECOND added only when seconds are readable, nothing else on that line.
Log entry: h=8 m=2
